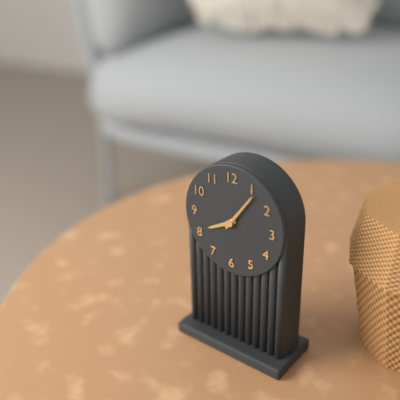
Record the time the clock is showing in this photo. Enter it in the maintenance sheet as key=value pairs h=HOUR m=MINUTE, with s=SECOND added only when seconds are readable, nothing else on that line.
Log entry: h=8 m=6
